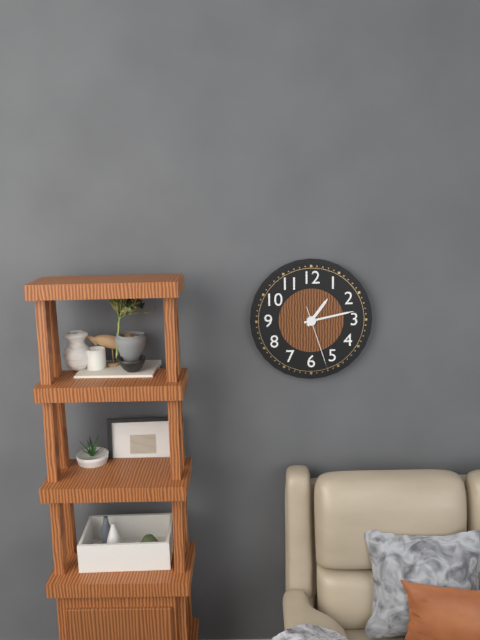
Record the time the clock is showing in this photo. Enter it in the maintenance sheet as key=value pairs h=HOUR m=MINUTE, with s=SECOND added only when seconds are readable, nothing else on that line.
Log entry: h=1 m=13 s=27
